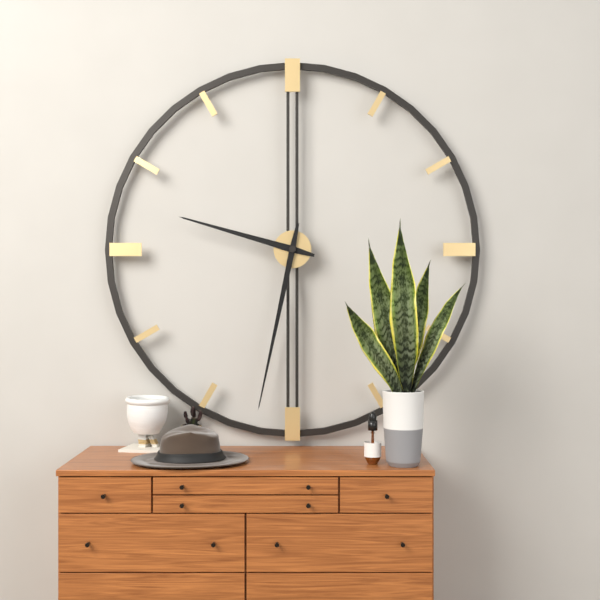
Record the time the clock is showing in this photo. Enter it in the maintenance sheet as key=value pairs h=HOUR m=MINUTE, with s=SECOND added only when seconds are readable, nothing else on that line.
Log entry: h=9 m=32
